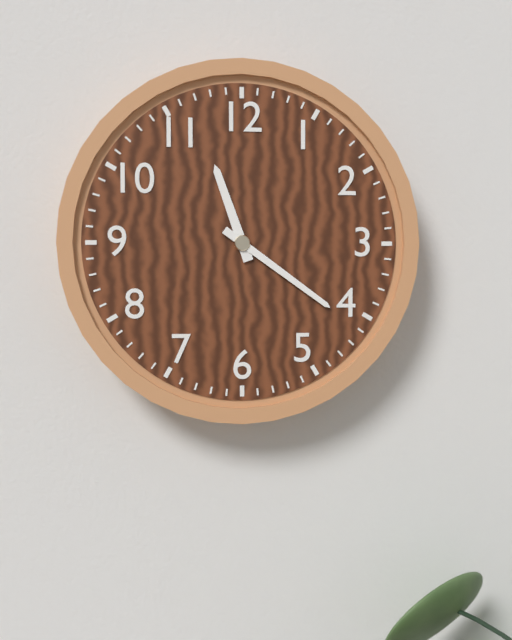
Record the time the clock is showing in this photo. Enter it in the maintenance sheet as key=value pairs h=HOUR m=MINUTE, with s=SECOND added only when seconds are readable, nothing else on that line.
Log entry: h=11 m=21
